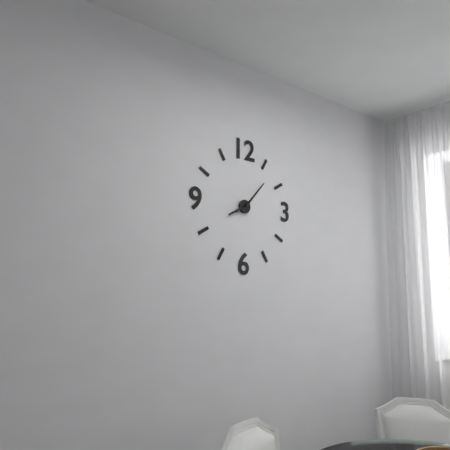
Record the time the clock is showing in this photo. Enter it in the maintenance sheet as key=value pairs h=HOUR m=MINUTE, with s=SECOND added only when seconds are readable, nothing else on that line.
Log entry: h=8 m=7
